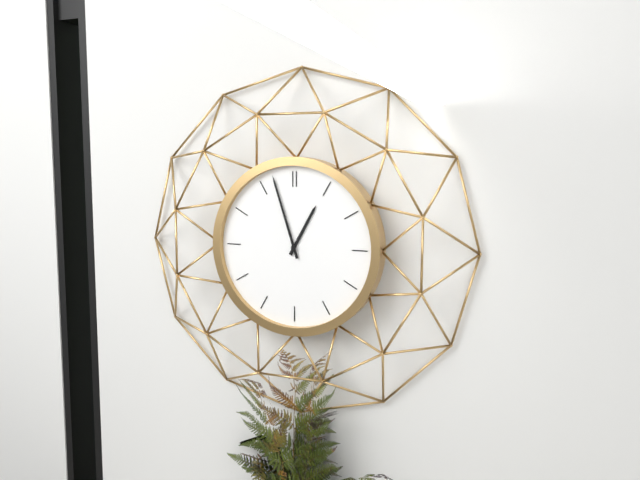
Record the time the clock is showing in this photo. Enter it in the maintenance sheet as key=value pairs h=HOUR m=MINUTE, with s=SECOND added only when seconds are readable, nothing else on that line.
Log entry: h=12 m=57
